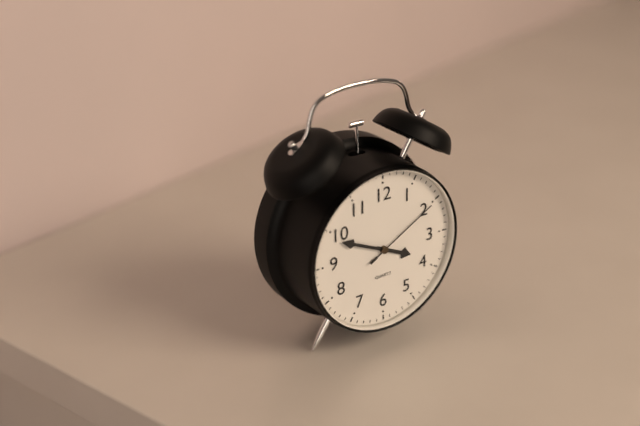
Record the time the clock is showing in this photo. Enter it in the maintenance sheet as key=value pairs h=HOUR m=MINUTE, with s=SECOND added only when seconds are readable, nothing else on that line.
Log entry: h=3 m=49 s=10
